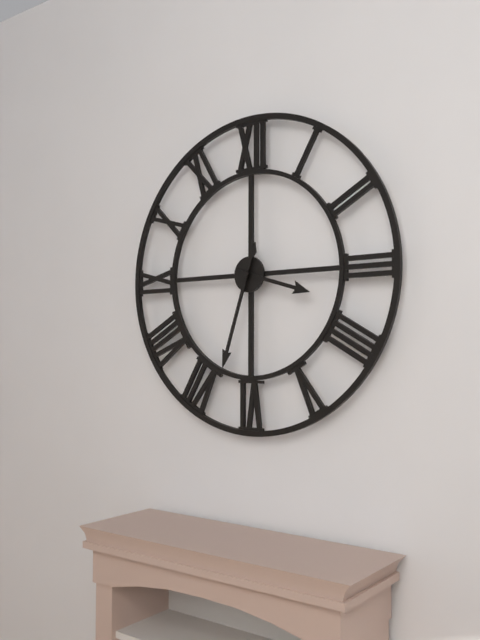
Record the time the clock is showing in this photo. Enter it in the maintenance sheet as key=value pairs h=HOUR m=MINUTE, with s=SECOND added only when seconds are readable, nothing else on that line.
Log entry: h=3 m=33
